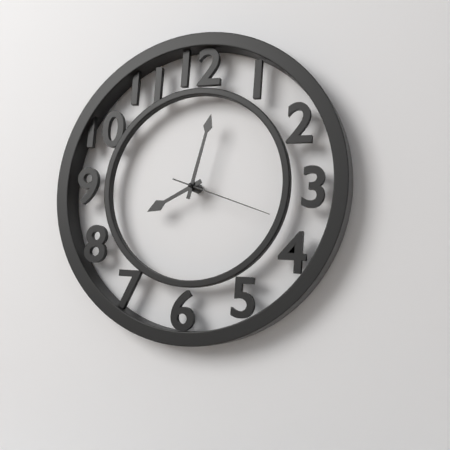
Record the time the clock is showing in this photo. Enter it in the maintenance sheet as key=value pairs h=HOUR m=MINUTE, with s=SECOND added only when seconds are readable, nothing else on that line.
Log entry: h=8 m=2 s=18
